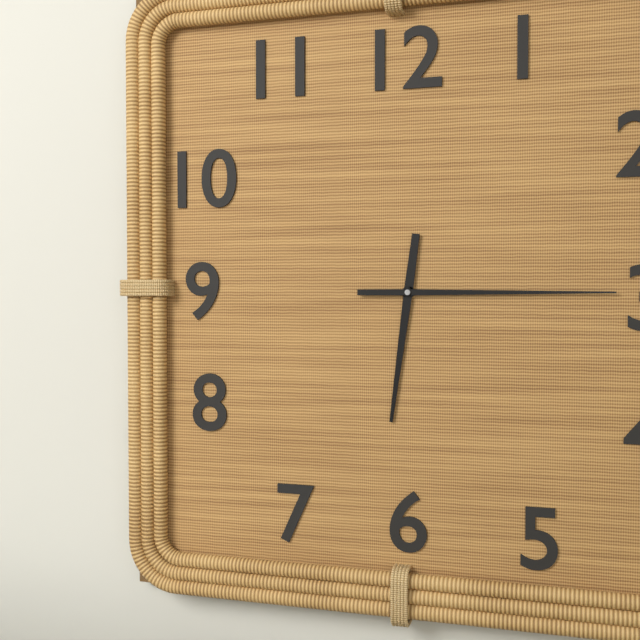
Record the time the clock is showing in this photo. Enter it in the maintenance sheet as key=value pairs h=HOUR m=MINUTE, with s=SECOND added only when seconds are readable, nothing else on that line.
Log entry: h=6 m=15
